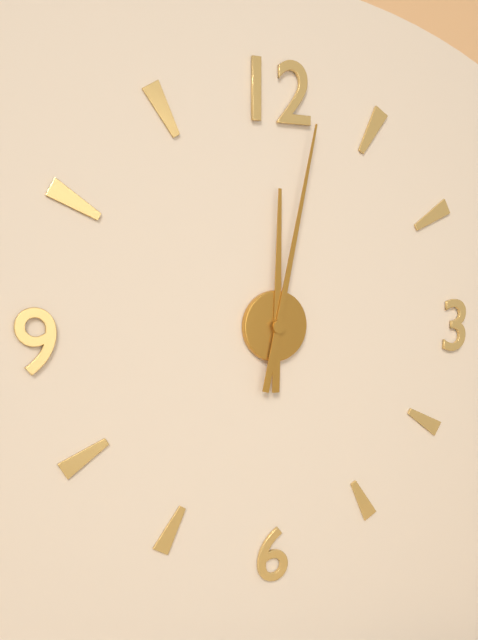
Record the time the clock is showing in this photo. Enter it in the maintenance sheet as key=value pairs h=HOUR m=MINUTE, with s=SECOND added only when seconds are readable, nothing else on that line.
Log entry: h=12 m=2
